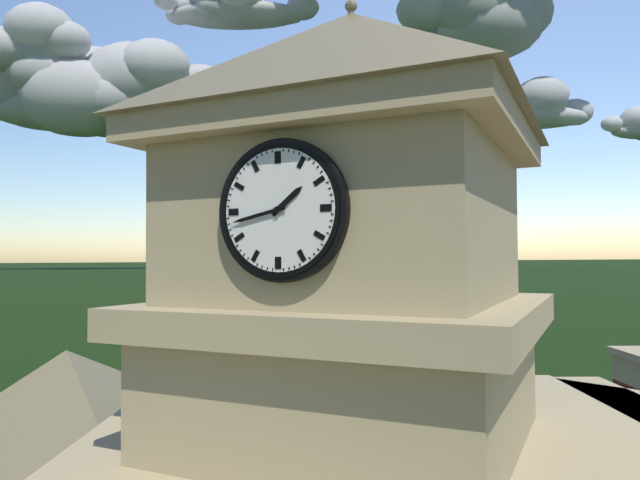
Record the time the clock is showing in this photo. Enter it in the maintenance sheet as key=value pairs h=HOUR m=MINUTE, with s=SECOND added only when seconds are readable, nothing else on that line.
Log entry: h=1 m=43
